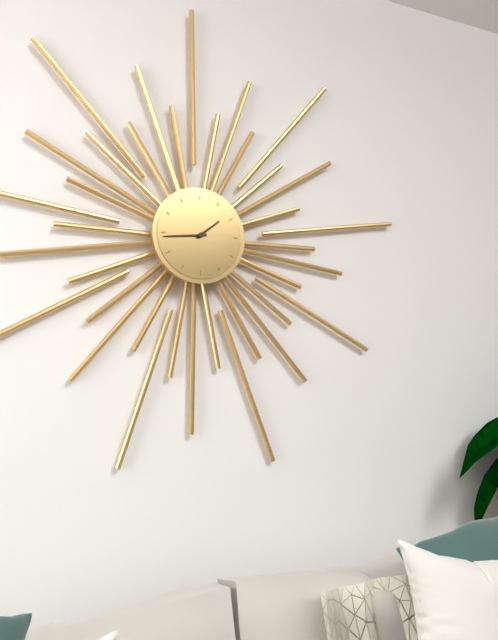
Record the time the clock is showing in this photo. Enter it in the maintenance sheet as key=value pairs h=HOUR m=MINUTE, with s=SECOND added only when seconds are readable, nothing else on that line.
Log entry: h=1 m=44
